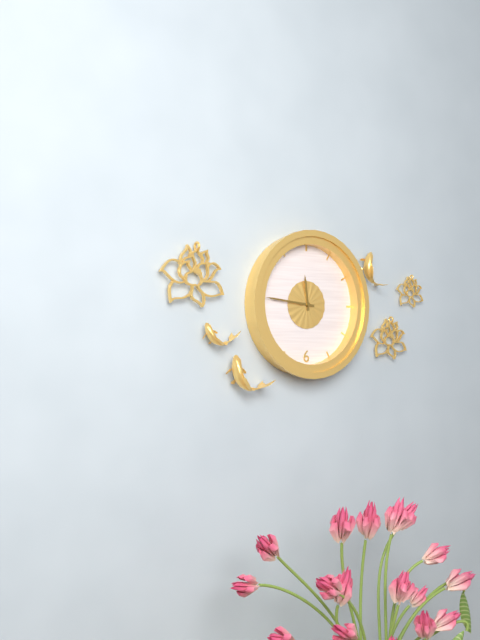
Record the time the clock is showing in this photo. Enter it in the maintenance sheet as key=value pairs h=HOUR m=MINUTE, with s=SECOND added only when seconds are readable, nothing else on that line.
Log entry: h=11 m=46
